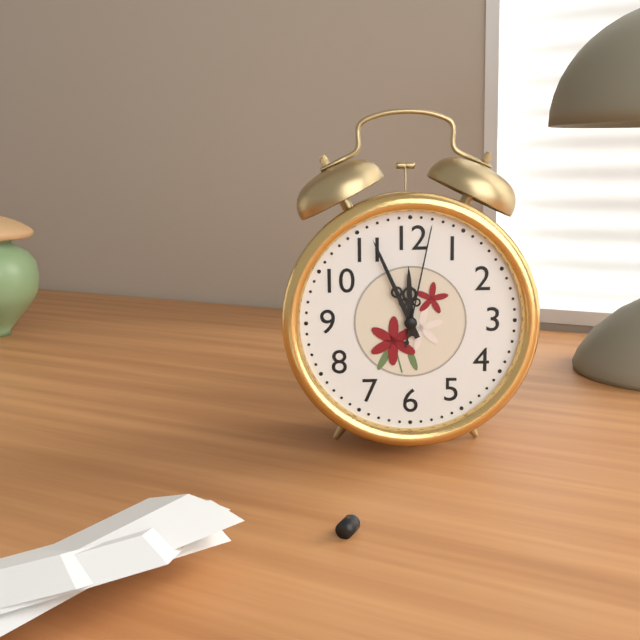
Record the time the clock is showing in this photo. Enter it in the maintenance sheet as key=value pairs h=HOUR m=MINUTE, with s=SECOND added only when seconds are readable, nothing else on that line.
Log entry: h=11 m=56 s=2
